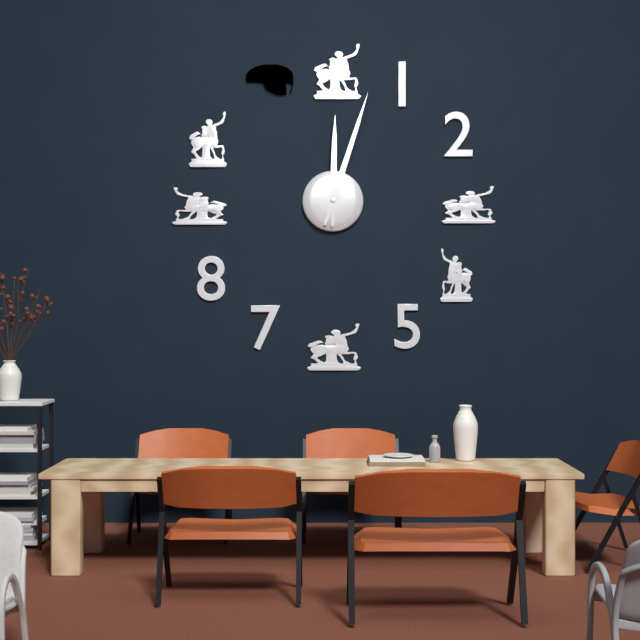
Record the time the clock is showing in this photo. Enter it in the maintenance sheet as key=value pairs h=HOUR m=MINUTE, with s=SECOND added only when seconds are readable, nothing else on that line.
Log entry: h=12 m=3
